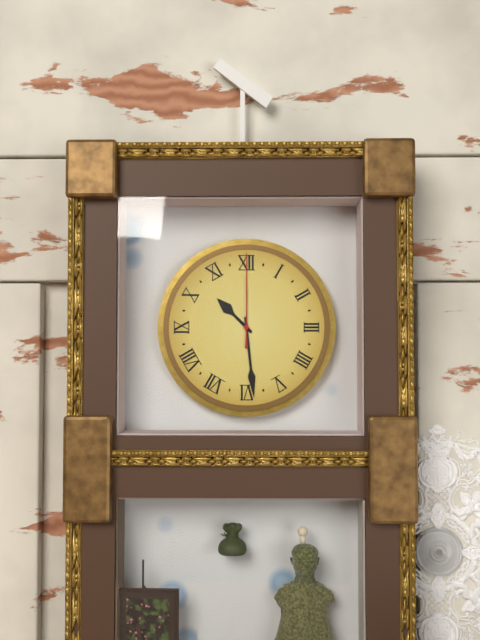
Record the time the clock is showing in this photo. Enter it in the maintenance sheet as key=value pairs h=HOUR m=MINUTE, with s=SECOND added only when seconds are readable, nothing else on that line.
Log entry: h=10 m=29 s=0
